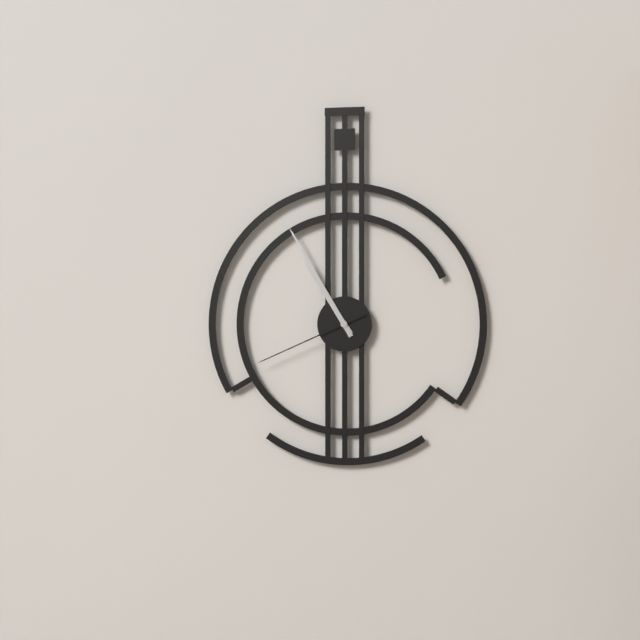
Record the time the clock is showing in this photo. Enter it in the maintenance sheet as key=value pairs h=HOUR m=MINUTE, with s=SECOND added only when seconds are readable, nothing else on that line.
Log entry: h=10 m=55 s=41
